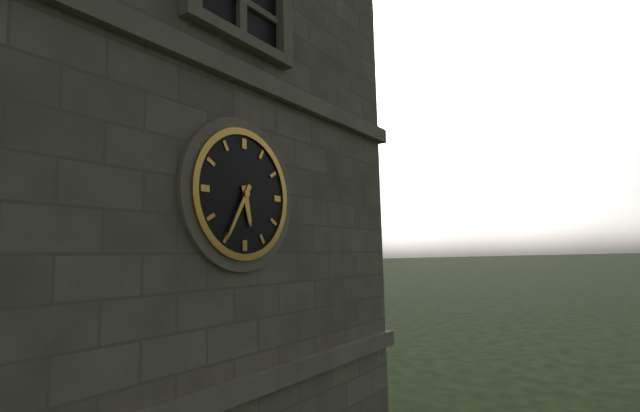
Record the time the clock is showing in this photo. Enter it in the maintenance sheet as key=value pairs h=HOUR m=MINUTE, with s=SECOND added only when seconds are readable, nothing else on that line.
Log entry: h=5 m=35
